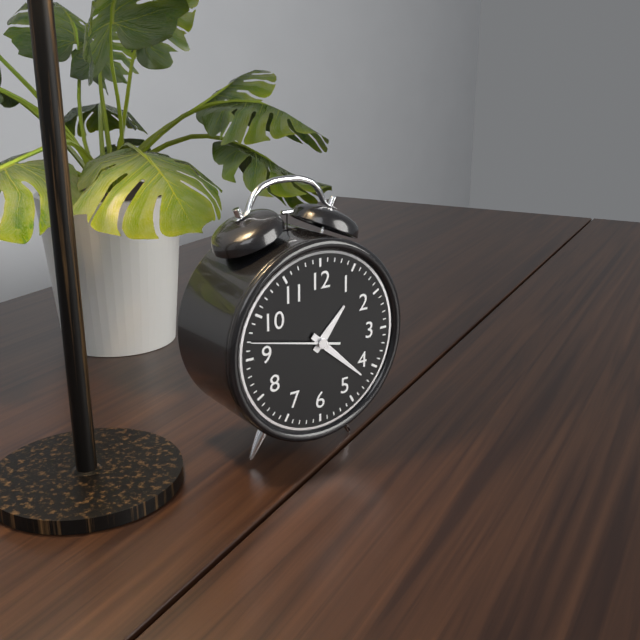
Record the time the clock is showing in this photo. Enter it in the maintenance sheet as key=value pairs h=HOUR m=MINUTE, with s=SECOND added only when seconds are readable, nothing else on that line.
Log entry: h=1 m=22 s=47
